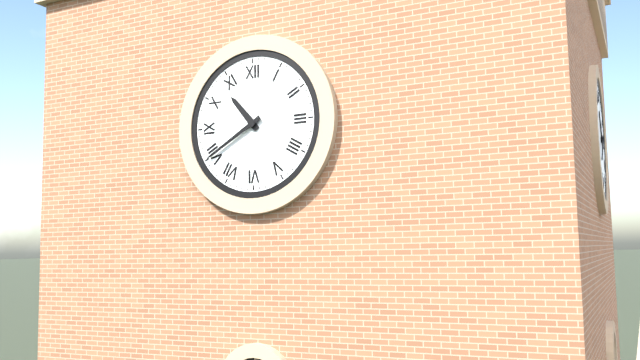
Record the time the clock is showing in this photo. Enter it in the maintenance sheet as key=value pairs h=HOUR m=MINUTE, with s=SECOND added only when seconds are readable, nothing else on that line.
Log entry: h=10 m=40
